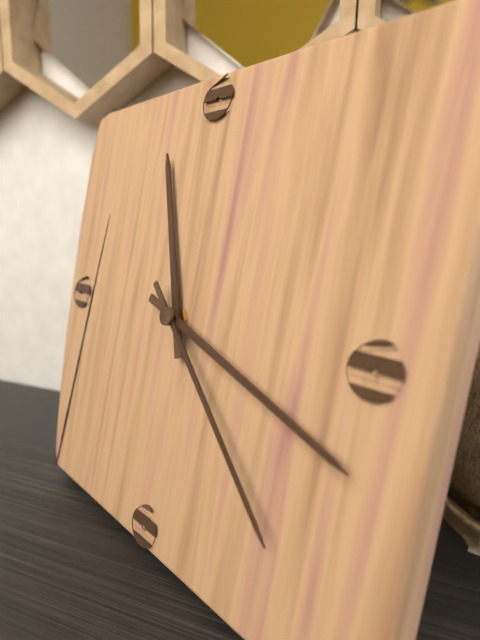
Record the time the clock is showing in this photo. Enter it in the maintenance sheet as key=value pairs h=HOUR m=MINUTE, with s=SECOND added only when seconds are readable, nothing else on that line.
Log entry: h=11 m=18 s=22
